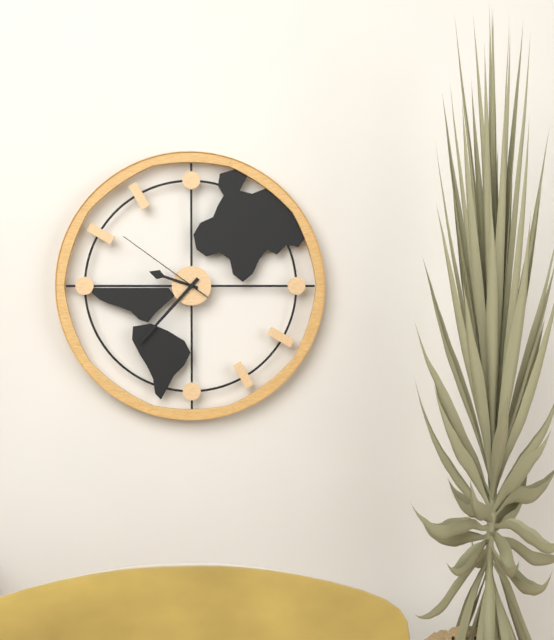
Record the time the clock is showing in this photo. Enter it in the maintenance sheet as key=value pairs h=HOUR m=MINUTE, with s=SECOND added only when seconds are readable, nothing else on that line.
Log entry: h=9 m=37 s=51
